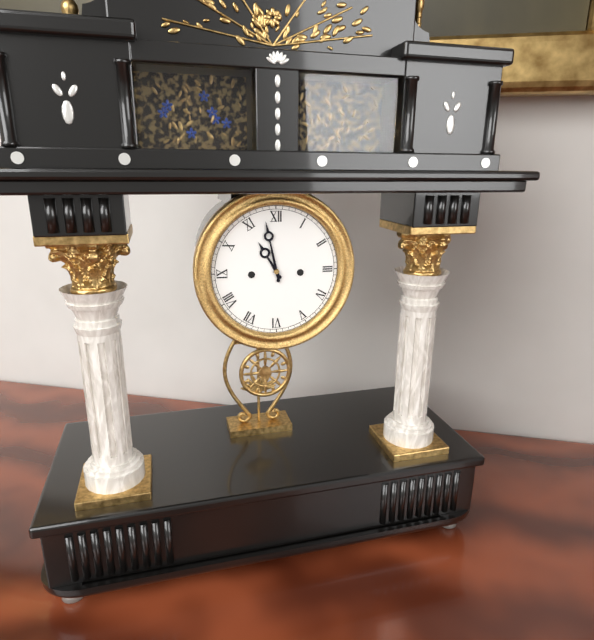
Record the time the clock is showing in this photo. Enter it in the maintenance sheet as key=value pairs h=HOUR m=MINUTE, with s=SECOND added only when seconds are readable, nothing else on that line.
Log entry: h=10 m=58
